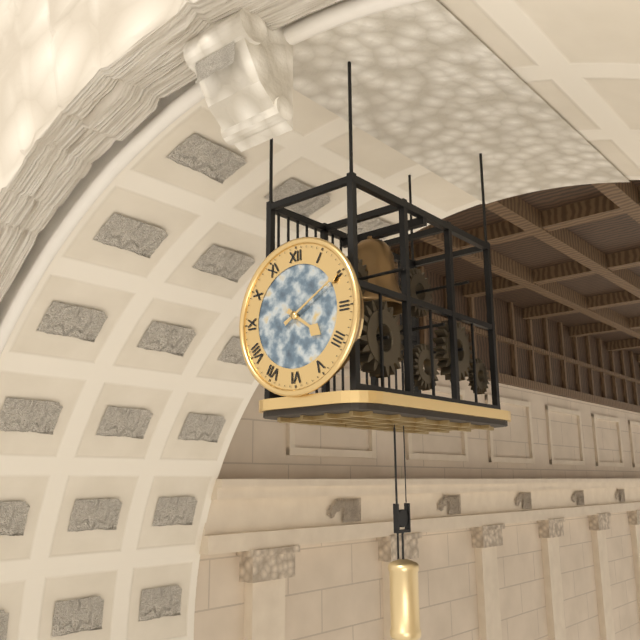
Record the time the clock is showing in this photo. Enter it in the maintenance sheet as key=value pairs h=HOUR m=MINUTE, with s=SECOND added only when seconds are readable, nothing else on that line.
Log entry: h=4 m=10
